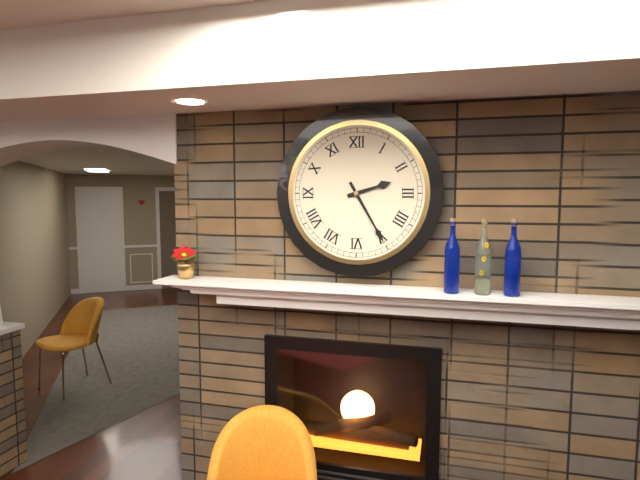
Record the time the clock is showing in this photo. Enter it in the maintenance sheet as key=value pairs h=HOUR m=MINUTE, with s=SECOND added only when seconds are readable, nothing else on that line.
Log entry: h=2 m=25
